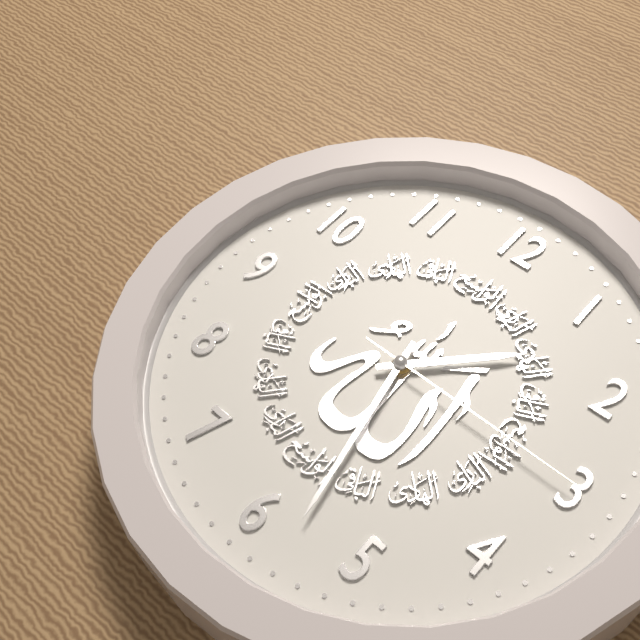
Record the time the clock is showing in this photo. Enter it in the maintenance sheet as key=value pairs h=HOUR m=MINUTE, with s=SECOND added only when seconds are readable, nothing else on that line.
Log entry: h=1 m=28 s=15
